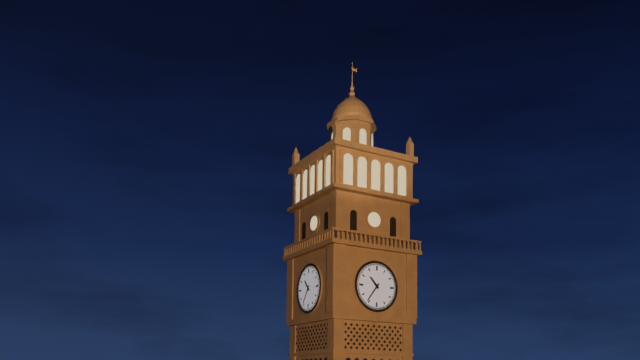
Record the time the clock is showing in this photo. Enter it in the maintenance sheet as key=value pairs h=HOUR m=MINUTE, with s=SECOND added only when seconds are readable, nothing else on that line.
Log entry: h=10 m=36
